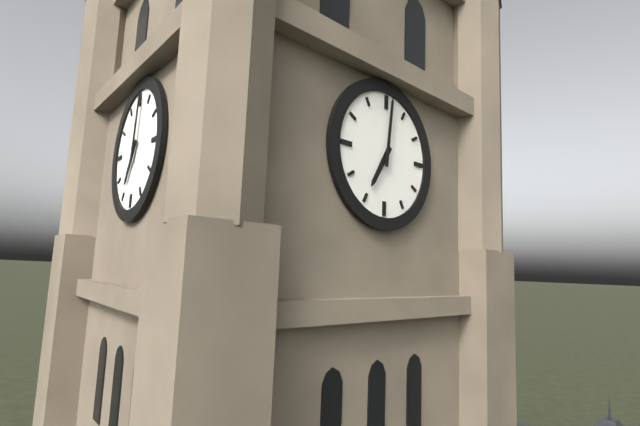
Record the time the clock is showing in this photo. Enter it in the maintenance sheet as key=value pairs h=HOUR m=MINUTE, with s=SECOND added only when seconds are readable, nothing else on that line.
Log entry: h=7 m=1
